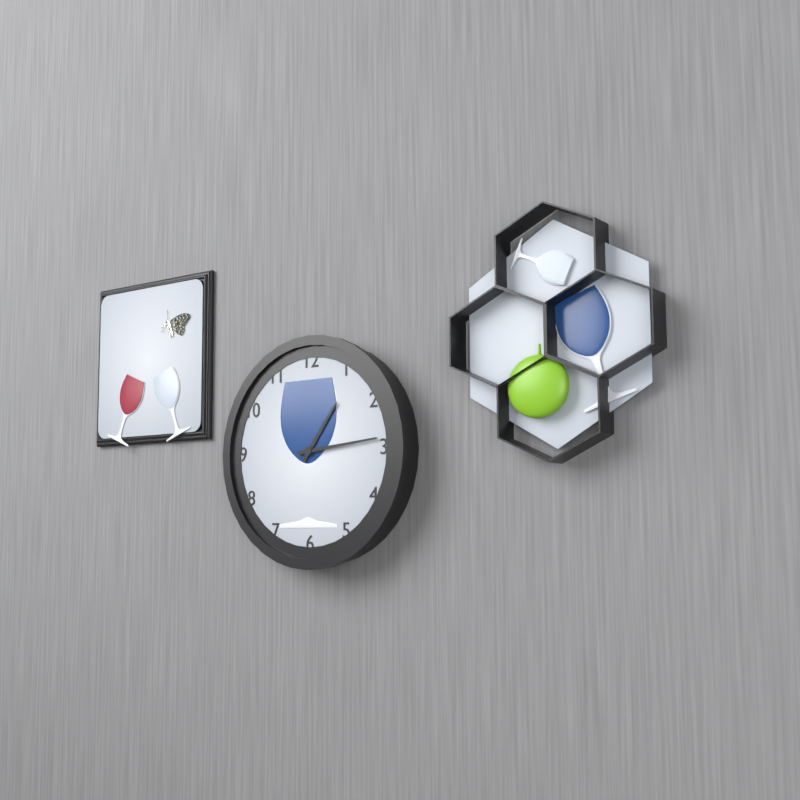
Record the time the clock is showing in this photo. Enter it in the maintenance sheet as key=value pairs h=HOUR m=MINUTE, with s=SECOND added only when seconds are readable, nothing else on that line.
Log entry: h=1 m=14
